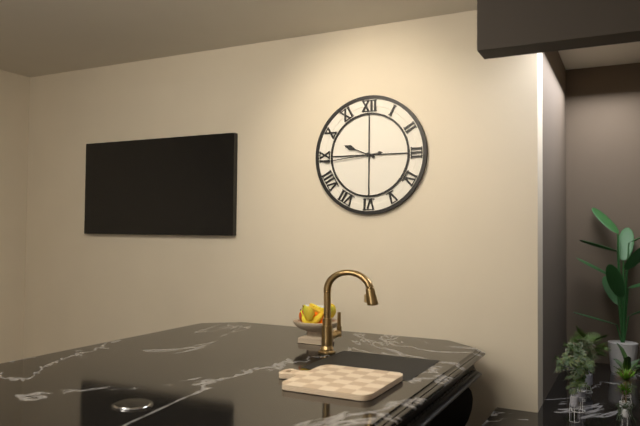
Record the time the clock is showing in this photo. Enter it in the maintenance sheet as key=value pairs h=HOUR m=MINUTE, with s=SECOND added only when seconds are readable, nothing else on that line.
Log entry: h=9 m=44
